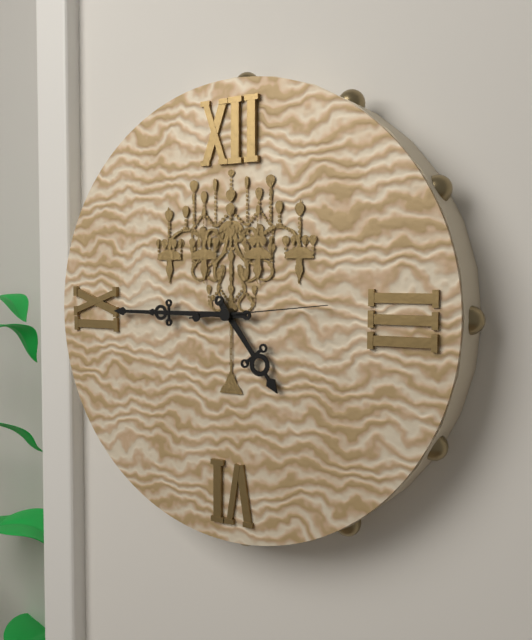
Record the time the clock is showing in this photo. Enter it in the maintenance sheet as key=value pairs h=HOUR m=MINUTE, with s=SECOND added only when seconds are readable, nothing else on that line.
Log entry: h=4 m=45 s=14
